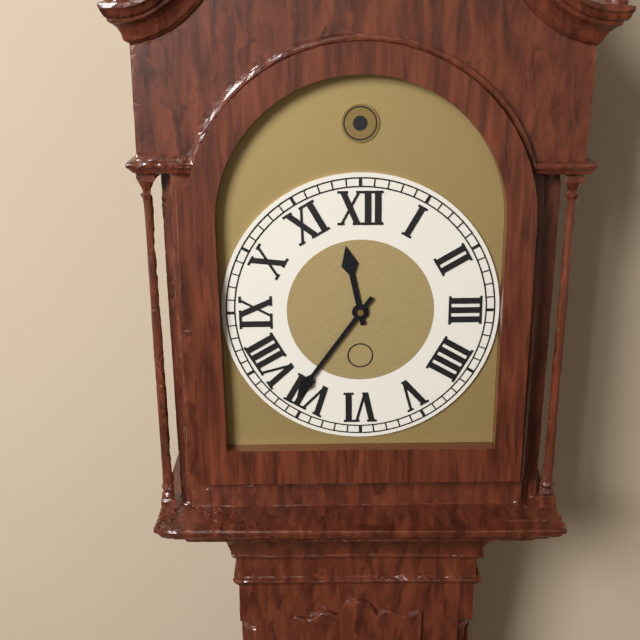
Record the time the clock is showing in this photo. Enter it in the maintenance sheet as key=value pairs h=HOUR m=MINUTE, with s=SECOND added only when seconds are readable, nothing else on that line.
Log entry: h=11 m=36
